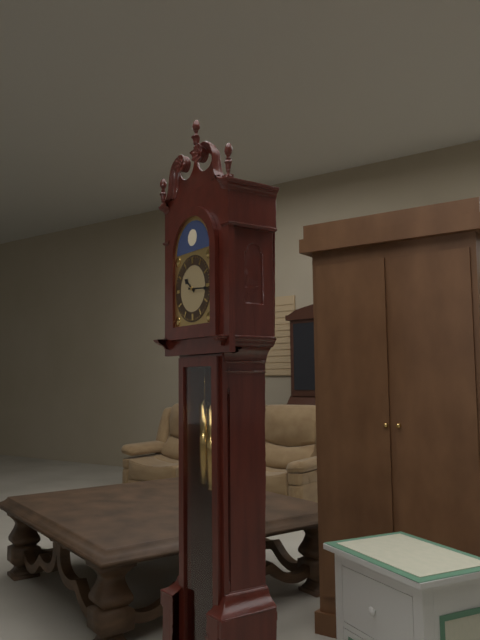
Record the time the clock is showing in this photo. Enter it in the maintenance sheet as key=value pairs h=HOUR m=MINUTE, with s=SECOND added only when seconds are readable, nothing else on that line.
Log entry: h=10 m=16
